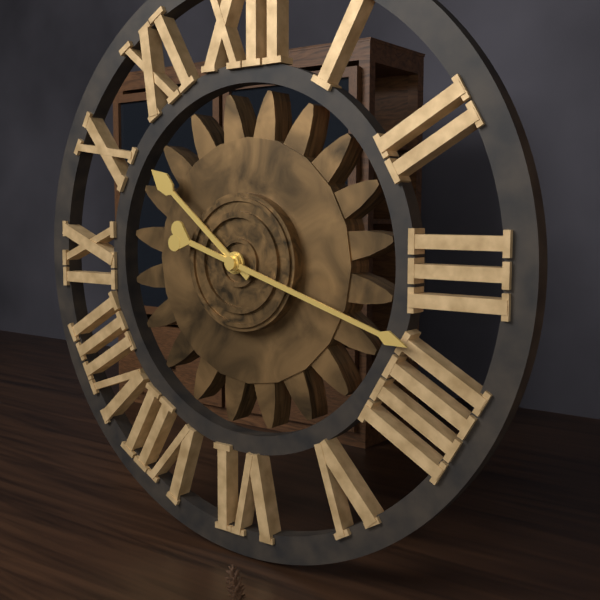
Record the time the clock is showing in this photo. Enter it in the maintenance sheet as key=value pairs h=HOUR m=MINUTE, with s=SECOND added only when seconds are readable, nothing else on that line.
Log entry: h=10 m=18
